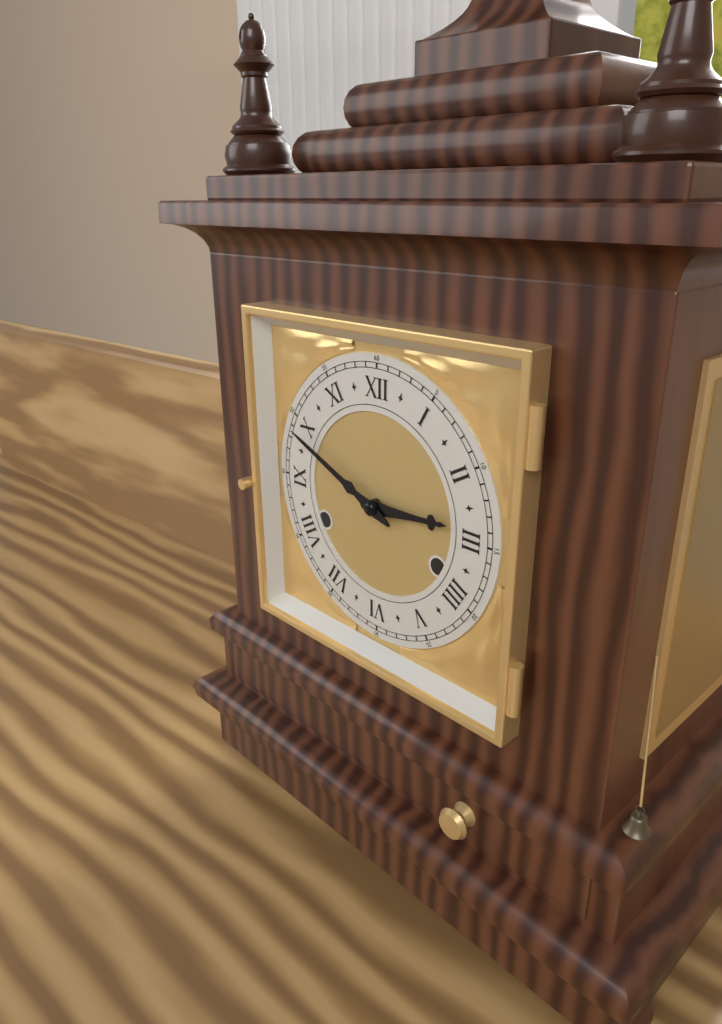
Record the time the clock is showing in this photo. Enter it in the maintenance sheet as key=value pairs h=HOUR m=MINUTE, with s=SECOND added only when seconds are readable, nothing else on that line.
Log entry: h=2 m=49
